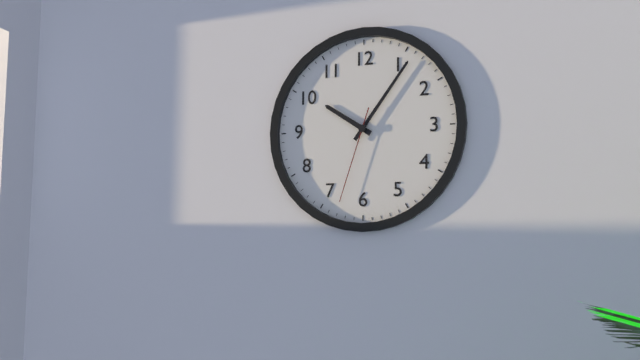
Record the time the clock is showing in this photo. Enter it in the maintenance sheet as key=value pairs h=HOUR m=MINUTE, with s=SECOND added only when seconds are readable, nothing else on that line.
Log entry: h=10 m=6 s=33
